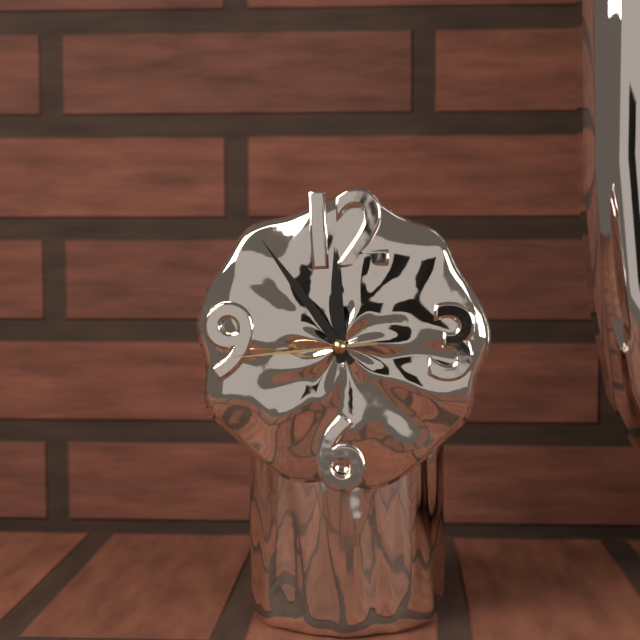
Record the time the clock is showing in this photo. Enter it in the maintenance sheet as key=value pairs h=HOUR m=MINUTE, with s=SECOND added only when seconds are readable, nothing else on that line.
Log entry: h=11 m=54 s=44
